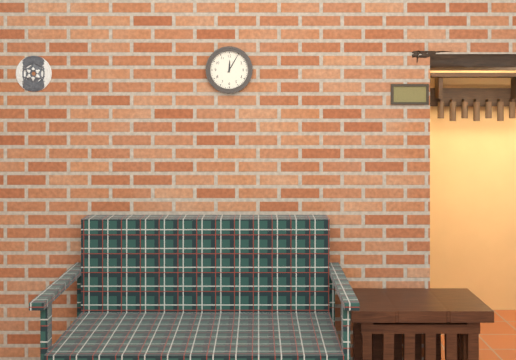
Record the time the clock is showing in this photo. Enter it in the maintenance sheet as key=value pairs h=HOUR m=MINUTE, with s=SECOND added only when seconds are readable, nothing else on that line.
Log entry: h=12 m=5
